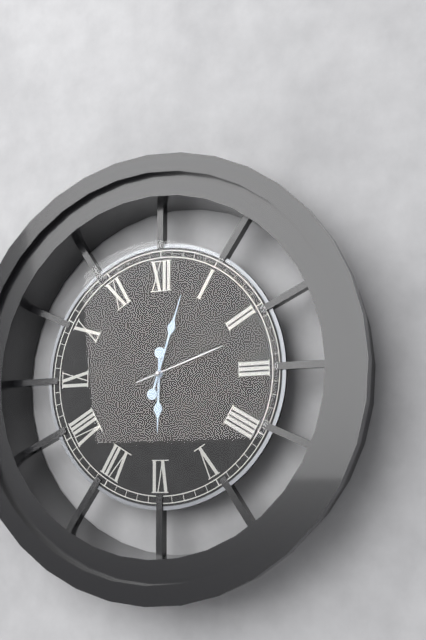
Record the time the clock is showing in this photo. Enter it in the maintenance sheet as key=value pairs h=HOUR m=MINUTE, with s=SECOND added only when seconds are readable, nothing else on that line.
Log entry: h=6 m=3 s=12
